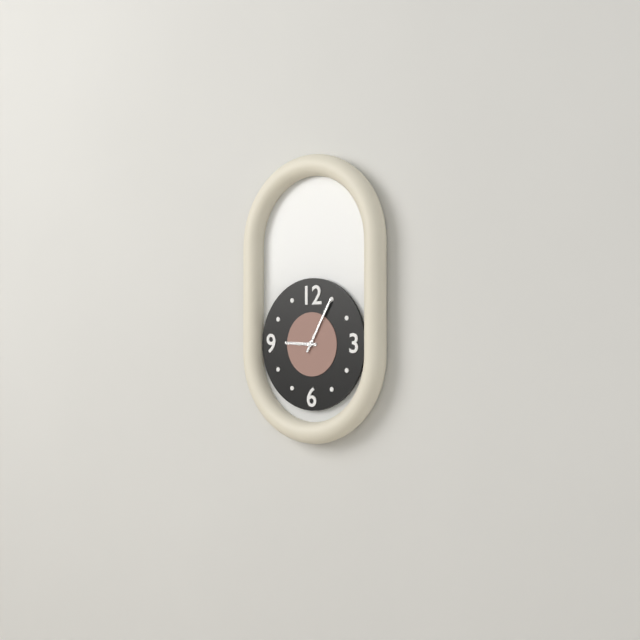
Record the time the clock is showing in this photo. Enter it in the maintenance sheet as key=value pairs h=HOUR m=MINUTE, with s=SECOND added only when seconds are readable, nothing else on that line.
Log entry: h=9 m=5
